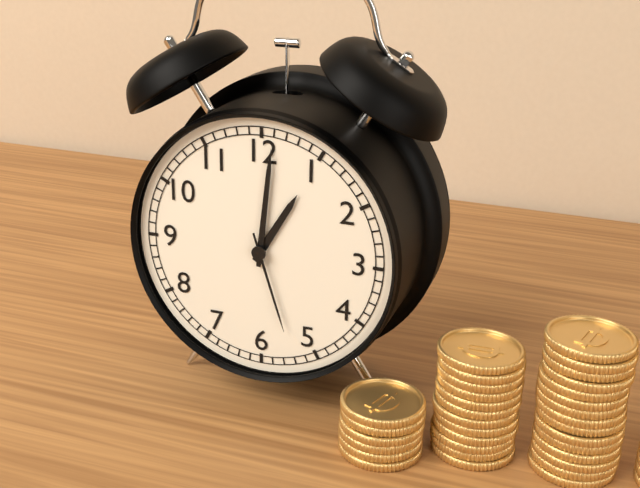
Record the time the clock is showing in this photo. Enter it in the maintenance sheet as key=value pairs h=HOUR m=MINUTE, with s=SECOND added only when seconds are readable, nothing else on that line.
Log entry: h=1 m=1 s=27
